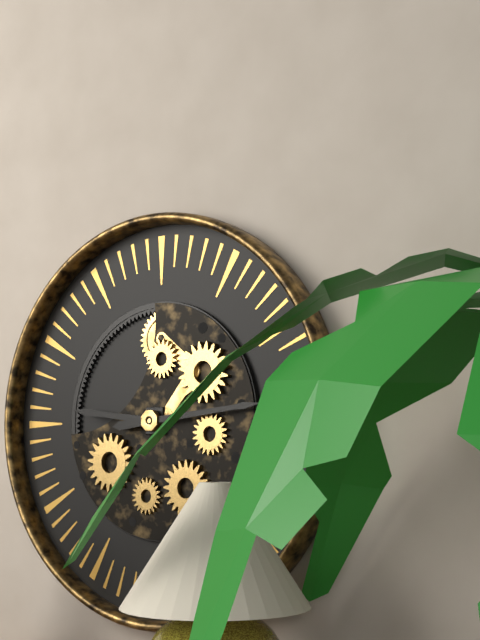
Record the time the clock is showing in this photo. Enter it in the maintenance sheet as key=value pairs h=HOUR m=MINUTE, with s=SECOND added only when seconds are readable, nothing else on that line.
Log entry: h=9 m=14
